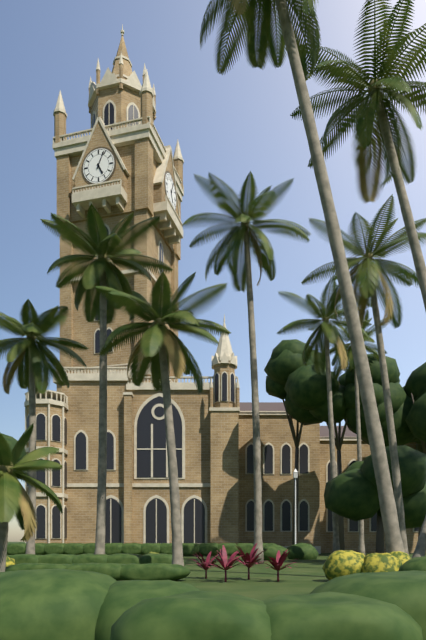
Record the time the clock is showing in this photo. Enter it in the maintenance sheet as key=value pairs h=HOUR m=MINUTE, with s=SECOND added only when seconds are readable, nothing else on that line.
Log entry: h=5 m=4
